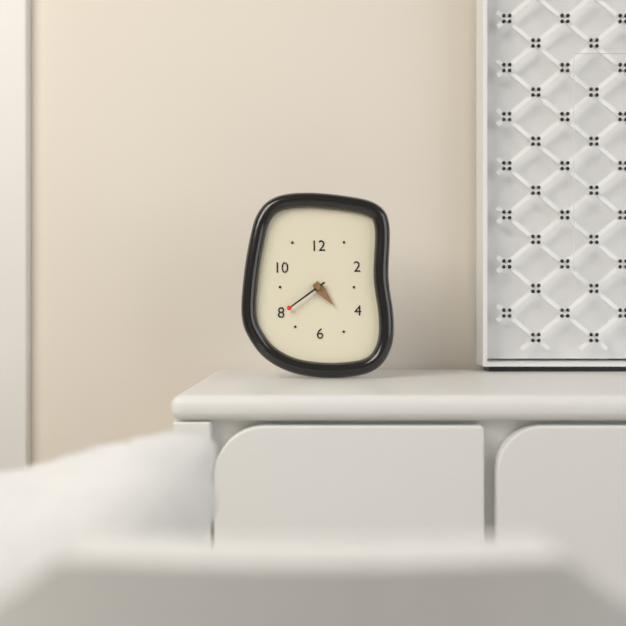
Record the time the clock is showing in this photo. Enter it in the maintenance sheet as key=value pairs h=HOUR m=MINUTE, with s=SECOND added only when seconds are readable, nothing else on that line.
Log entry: h=4 m=39
